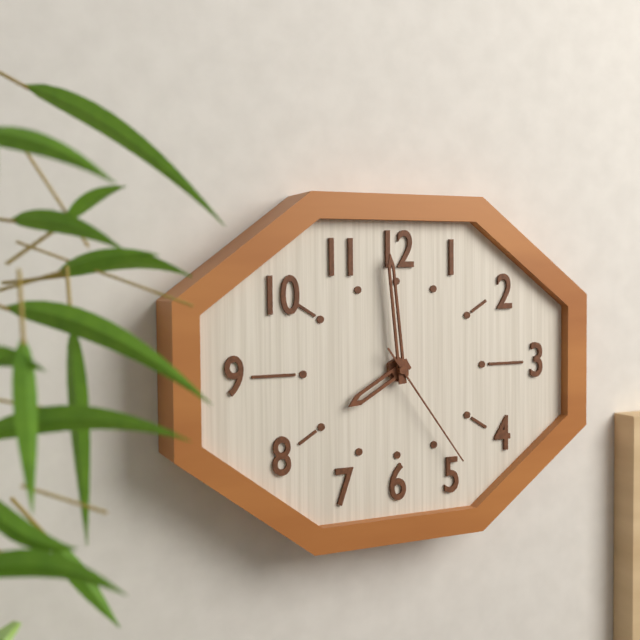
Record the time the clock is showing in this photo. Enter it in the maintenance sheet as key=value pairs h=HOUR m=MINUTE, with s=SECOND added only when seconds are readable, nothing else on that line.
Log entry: h=7 m=59 s=24
